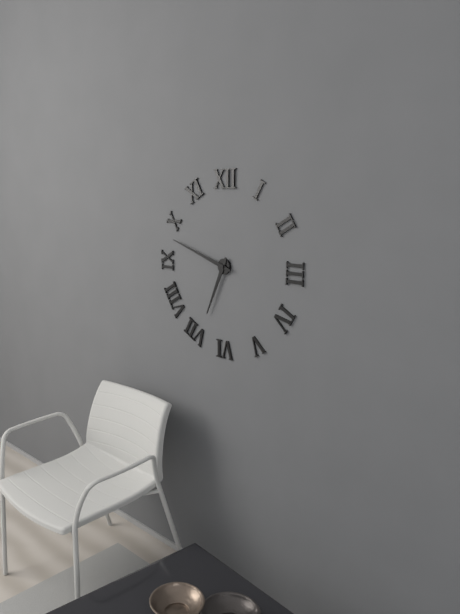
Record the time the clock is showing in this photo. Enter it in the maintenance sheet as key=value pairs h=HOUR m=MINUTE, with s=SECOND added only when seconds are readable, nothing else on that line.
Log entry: h=6 m=48
